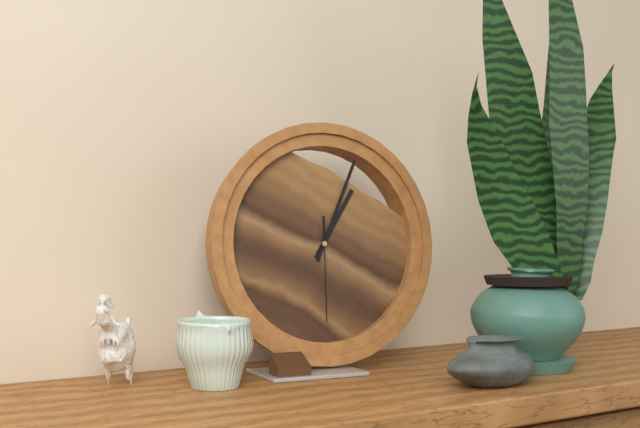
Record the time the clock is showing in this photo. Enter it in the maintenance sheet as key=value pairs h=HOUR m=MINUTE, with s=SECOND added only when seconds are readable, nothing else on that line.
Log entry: h=1 m=4 s=30
